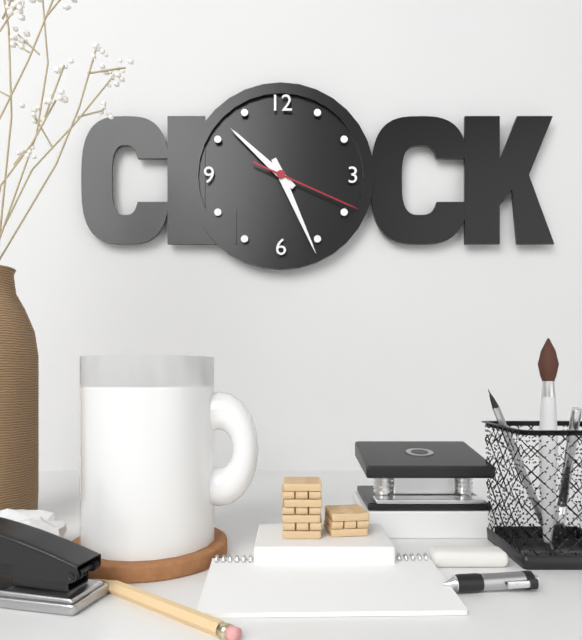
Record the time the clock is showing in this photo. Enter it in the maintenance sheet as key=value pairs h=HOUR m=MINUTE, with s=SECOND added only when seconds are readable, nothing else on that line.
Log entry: h=10 m=26 s=19
